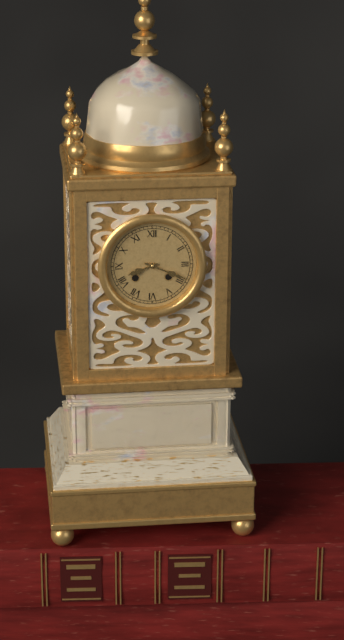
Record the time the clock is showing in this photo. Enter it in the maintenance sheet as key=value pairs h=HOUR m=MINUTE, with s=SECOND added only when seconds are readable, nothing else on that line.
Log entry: h=8 m=19
